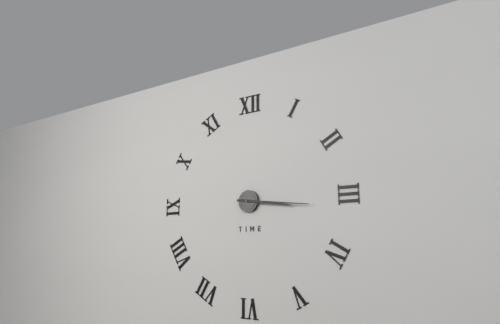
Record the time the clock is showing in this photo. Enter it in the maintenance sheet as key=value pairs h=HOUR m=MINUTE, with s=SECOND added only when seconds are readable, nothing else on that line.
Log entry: h=3 m=16
